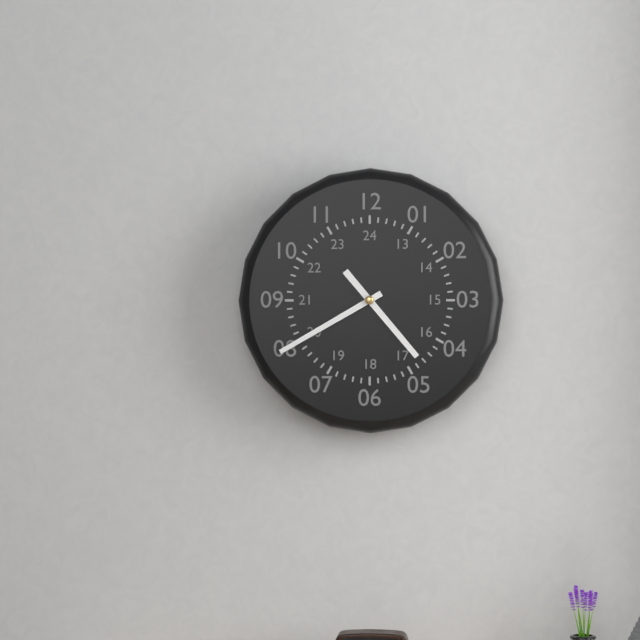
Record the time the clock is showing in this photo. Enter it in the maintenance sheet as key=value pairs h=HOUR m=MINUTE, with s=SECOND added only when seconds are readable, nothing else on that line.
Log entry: h=4 m=40
